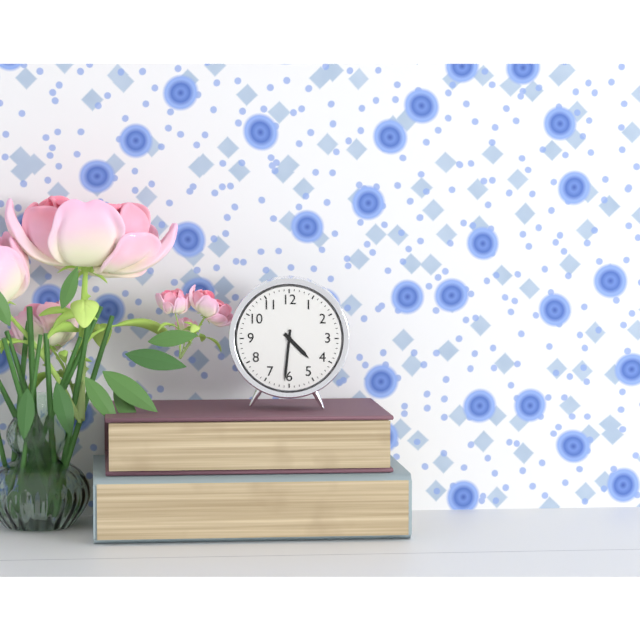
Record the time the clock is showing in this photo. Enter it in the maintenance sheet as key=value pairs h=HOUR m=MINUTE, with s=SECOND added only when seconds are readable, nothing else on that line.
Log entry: h=4 m=31
